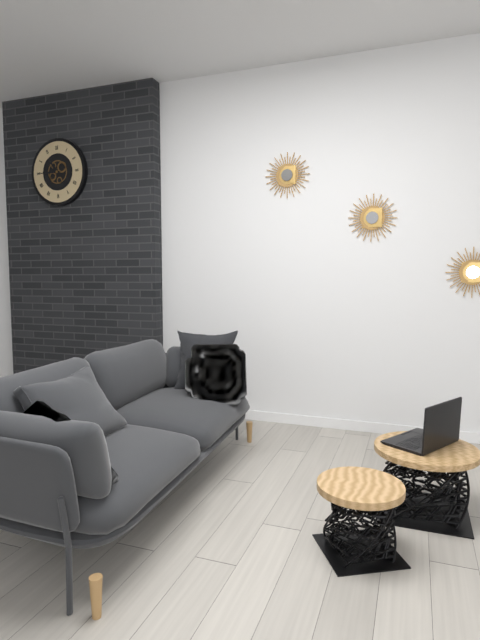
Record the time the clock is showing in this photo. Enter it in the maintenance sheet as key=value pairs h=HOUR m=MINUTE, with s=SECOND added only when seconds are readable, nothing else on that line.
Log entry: h=10 m=45
